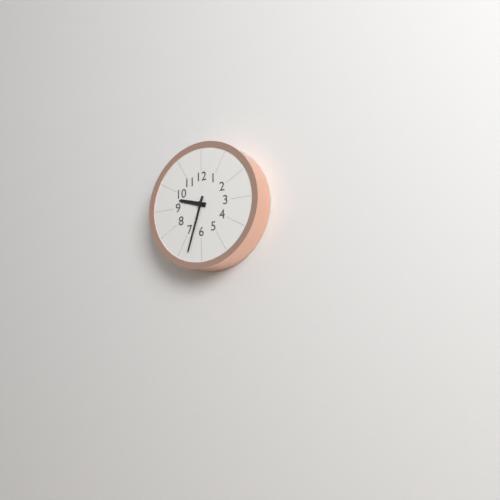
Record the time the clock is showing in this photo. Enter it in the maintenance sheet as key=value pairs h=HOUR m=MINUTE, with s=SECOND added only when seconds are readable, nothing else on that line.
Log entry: h=9 m=33
